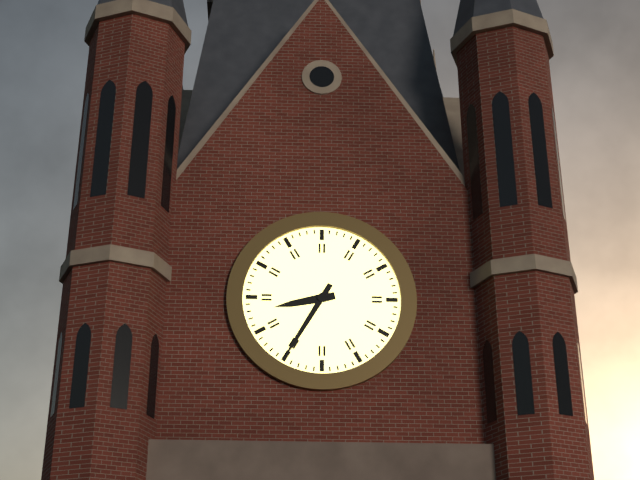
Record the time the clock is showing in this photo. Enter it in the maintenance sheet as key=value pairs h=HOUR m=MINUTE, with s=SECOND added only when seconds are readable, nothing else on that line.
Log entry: h=8 m=35
